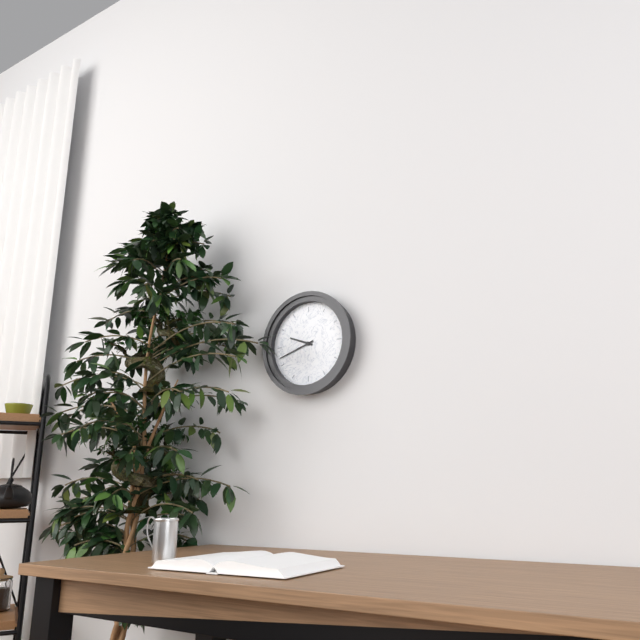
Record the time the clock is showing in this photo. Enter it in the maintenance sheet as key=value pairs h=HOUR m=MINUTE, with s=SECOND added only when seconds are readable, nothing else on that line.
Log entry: h=9 m=42
